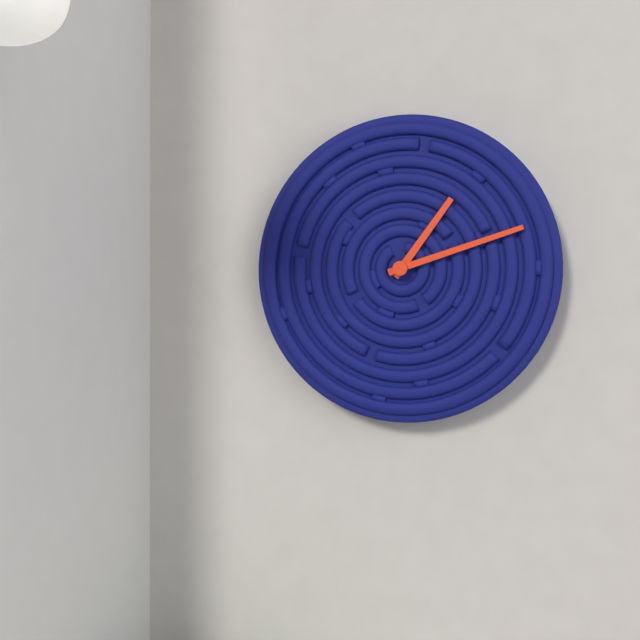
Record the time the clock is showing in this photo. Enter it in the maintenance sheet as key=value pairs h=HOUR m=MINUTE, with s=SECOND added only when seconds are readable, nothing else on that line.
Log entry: h=1 m=12
